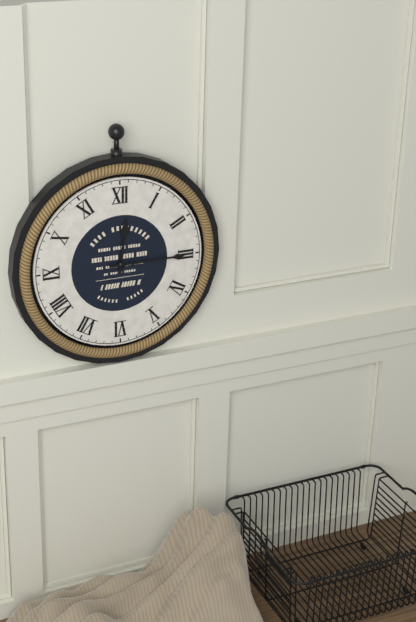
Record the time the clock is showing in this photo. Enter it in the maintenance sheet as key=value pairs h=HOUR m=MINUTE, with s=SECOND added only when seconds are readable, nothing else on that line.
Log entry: h=12 m=15
